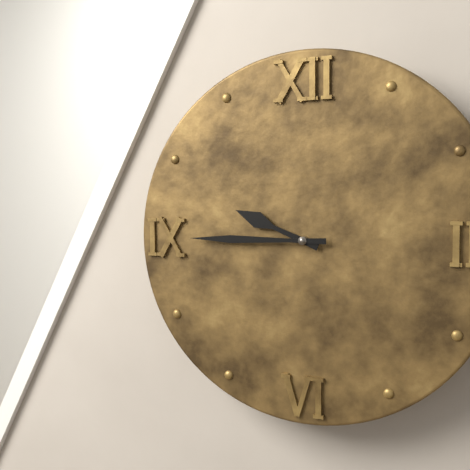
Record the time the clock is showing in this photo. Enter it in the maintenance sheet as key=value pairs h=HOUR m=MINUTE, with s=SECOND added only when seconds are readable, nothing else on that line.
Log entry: h=9 m=45
